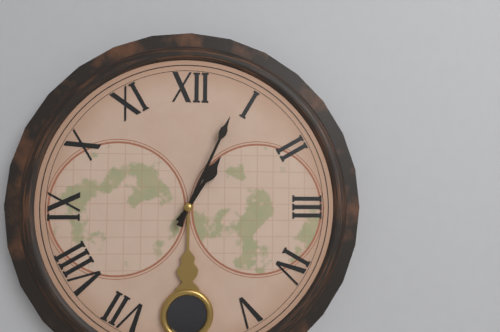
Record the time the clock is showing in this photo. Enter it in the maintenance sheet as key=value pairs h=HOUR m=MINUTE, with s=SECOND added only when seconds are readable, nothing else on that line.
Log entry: h=1 m=4
